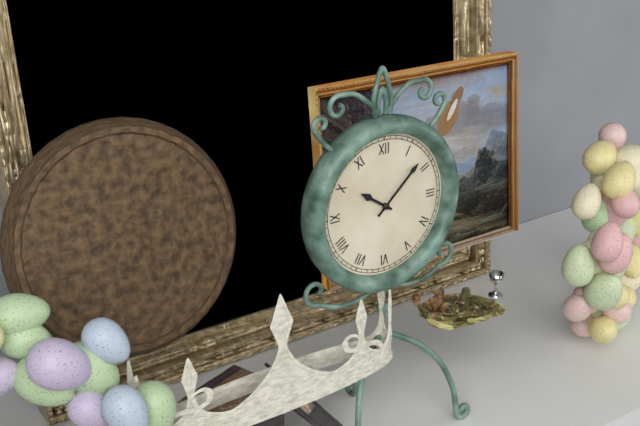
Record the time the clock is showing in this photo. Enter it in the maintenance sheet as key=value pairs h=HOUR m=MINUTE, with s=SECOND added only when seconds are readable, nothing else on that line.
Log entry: h=10 m=8
